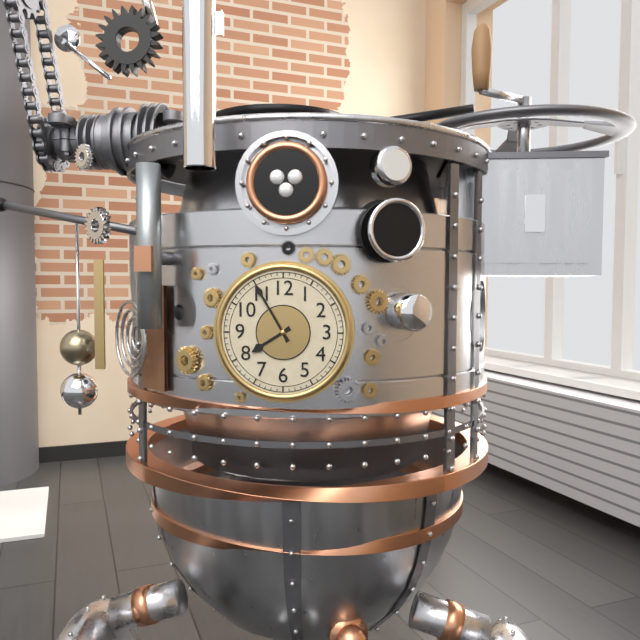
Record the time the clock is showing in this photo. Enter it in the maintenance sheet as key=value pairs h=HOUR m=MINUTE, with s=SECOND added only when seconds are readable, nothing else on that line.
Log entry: h=7 m=55
